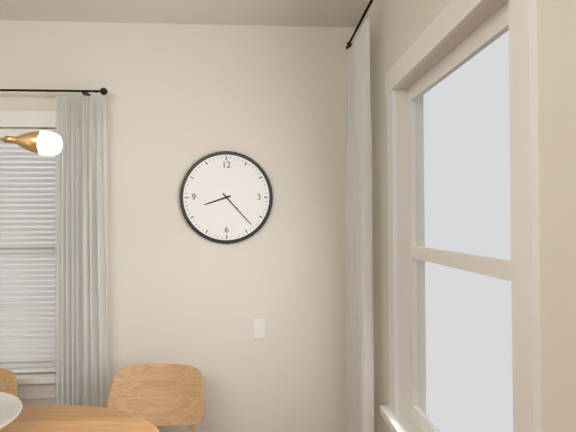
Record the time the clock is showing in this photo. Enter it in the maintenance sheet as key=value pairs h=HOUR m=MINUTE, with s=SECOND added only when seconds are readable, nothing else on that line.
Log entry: h=8 m=23
